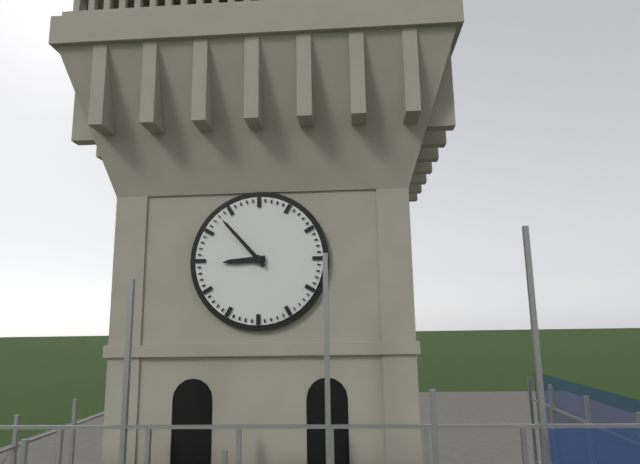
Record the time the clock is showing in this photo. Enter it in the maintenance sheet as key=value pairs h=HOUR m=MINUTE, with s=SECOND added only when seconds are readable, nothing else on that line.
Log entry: h=8 m=53
